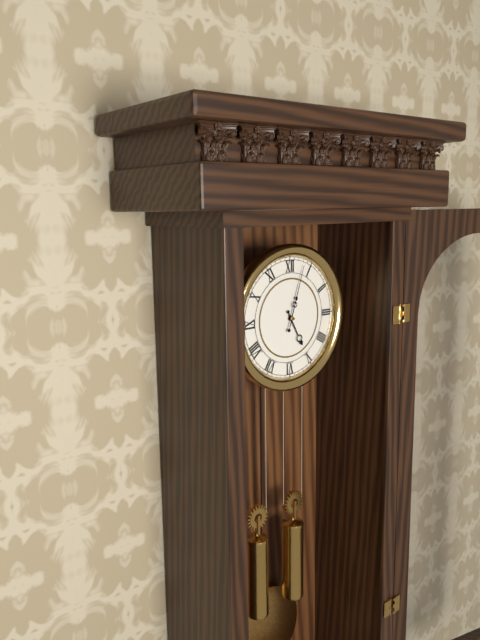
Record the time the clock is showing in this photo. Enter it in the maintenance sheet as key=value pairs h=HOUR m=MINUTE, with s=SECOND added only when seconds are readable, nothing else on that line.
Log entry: h=5 m=3
